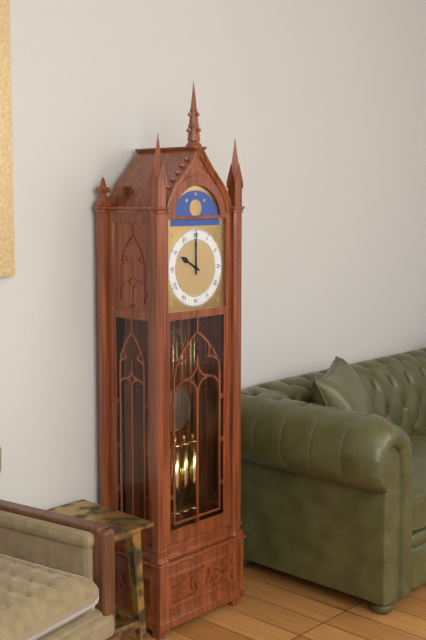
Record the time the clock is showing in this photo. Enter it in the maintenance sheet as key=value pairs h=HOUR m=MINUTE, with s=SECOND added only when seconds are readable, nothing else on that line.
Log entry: h=10 m=0
